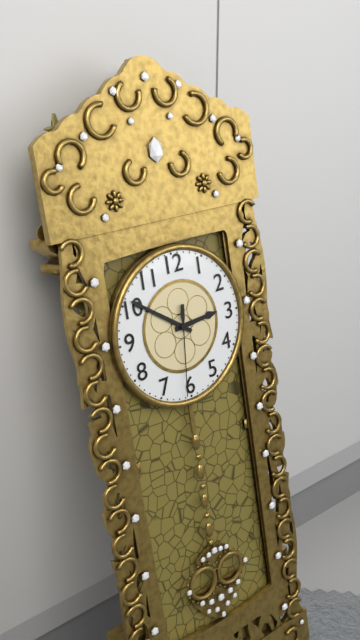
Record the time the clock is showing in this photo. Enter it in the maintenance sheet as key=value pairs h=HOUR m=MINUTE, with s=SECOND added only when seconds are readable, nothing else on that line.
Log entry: h=2 m=51 s=31
